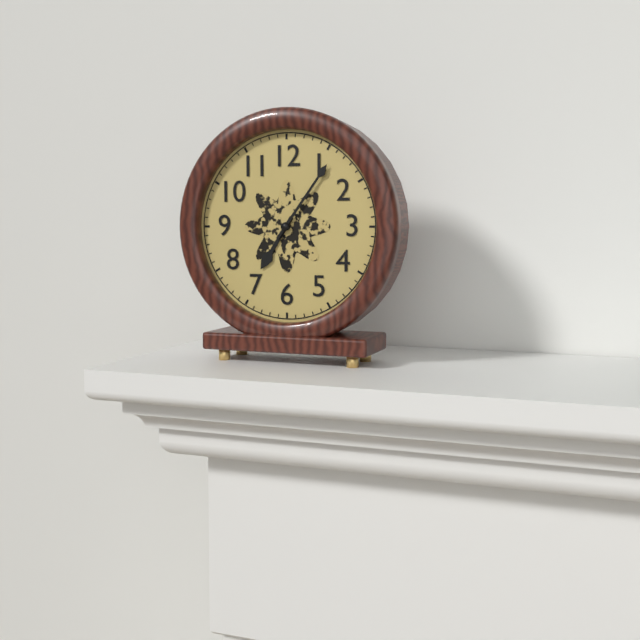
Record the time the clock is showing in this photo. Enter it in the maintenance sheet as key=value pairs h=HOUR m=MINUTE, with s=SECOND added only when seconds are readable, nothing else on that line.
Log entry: h=7 m=6
